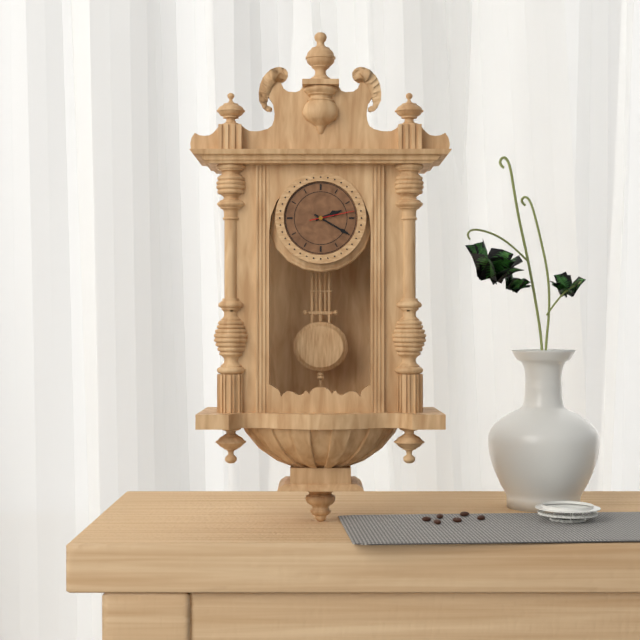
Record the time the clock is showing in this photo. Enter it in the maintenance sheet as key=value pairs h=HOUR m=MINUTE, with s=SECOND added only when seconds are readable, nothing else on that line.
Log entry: h=2 m=20
